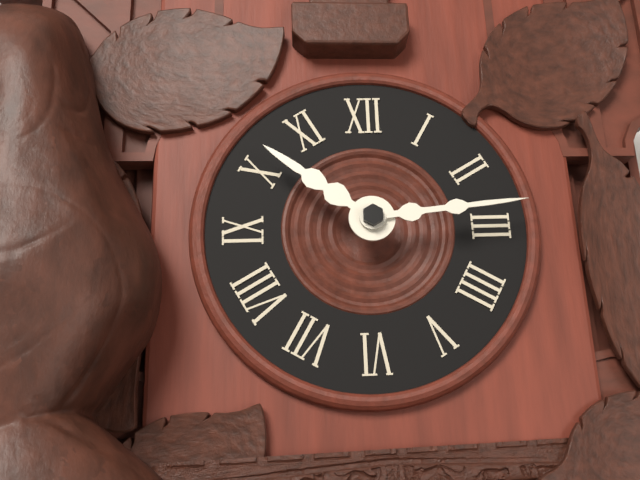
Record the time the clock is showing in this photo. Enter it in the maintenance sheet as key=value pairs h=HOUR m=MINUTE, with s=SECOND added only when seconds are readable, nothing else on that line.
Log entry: h=10 m=14
